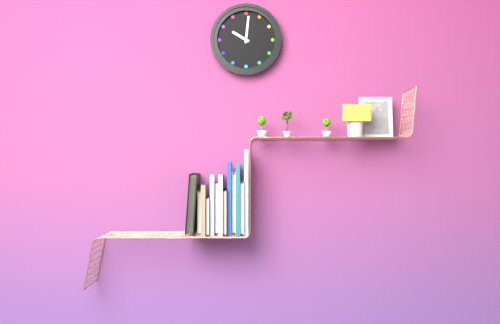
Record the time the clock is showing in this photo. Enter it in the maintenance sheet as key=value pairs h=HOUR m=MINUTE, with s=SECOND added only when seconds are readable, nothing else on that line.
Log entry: h=10 m=1
